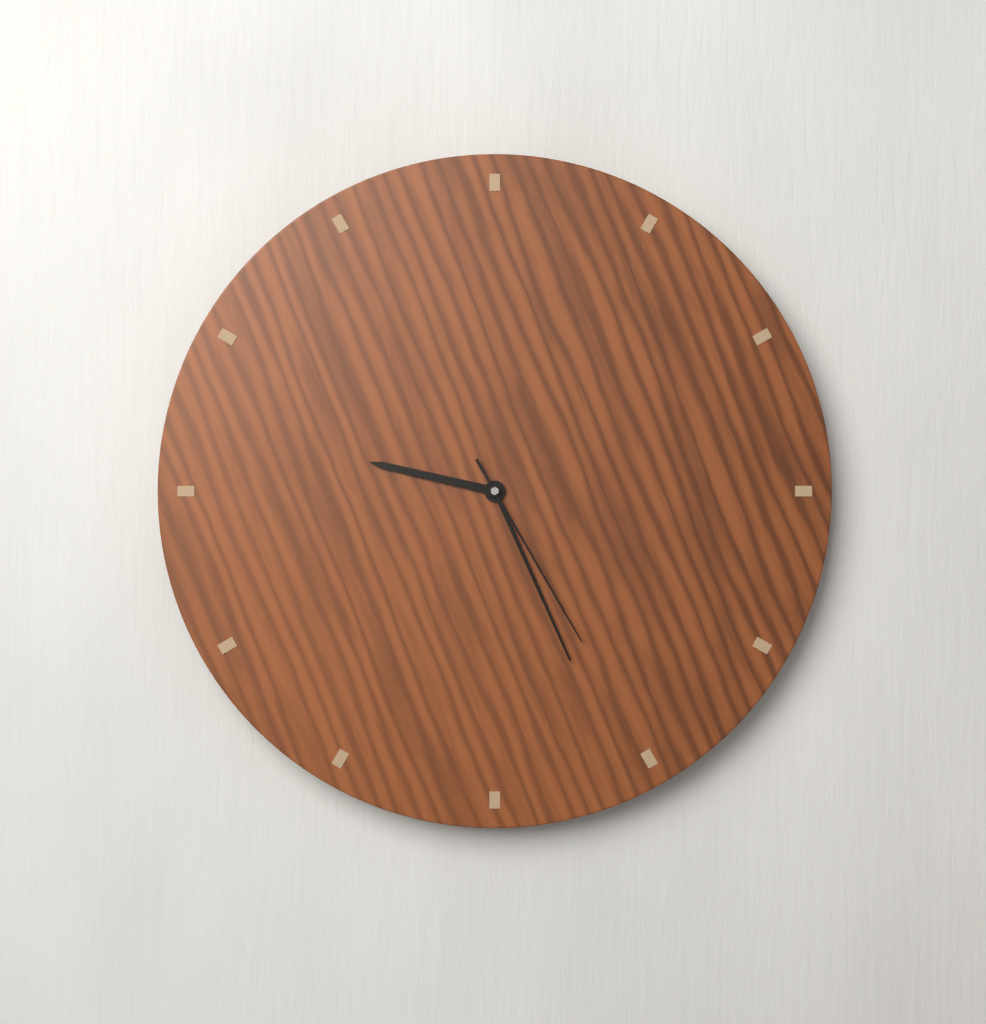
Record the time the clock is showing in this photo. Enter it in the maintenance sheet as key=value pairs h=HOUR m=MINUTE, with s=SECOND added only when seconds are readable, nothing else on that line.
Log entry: h=9 m=26 s=25
